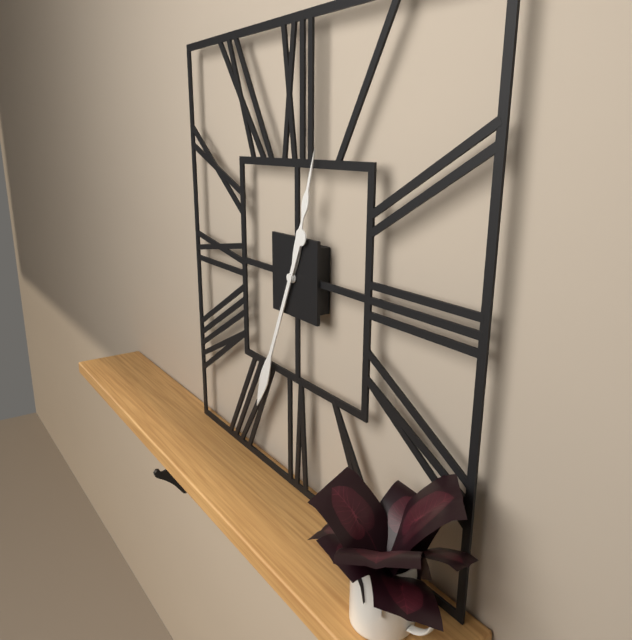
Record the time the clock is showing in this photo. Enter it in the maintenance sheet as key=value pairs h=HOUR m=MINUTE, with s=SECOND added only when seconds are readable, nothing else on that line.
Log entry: h=12 m=34
